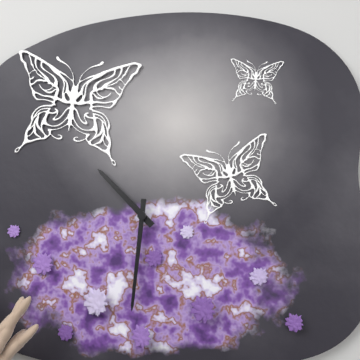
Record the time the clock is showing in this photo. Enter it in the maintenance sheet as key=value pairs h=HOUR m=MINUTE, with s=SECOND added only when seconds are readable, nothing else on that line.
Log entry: h=10 m=31
